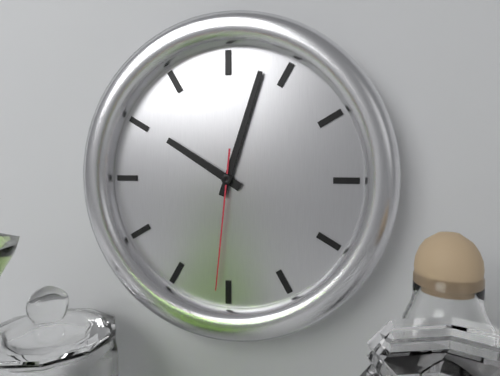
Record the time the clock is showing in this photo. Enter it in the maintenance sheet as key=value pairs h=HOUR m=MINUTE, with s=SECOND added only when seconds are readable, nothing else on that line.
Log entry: h=10 m=3 s=31
